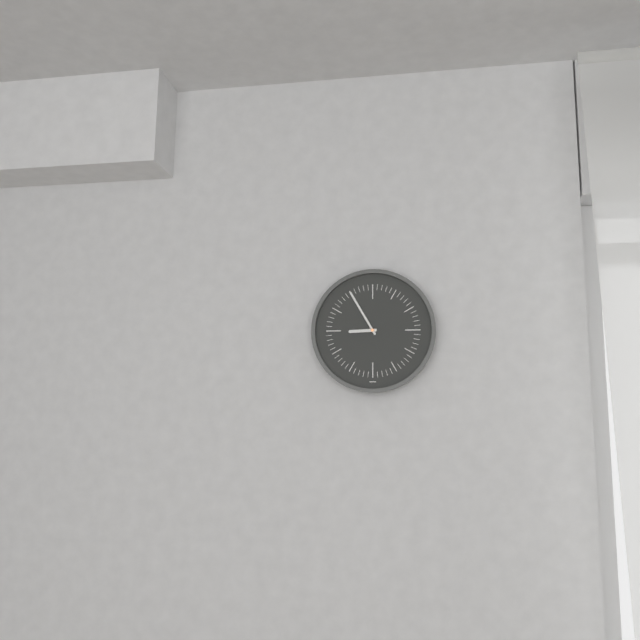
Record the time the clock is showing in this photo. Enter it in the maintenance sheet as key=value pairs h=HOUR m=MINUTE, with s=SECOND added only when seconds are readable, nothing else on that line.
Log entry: h=8 m=55
